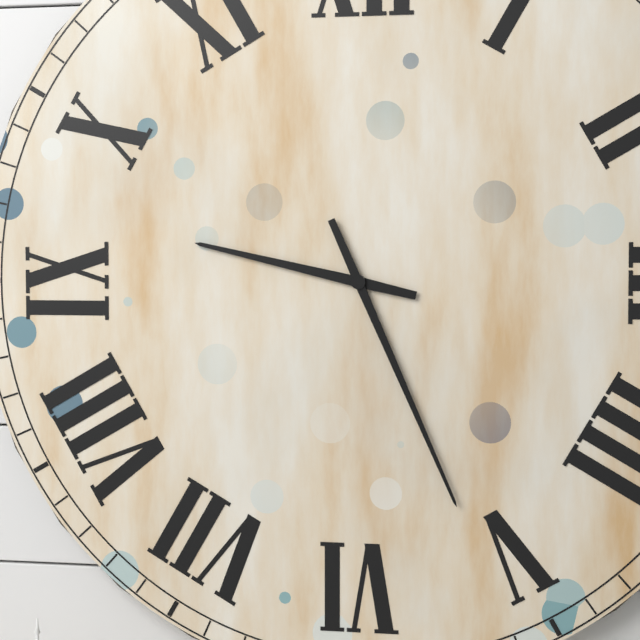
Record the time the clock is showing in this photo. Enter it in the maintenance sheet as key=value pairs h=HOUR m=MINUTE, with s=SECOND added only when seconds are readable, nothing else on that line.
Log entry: h=9 m=26
